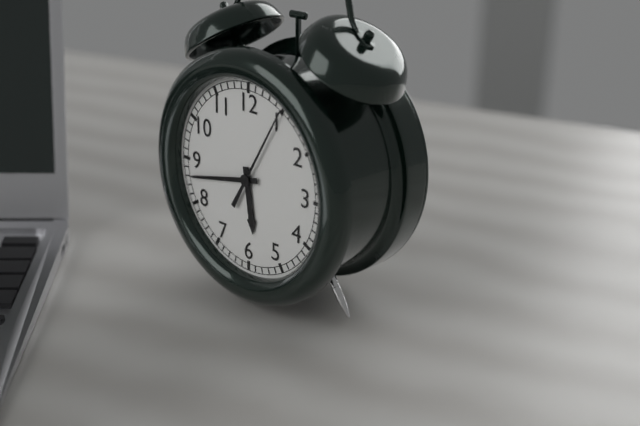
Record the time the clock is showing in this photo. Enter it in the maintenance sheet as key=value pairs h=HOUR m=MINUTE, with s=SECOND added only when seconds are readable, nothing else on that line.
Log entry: h=5 m=43 s=5
